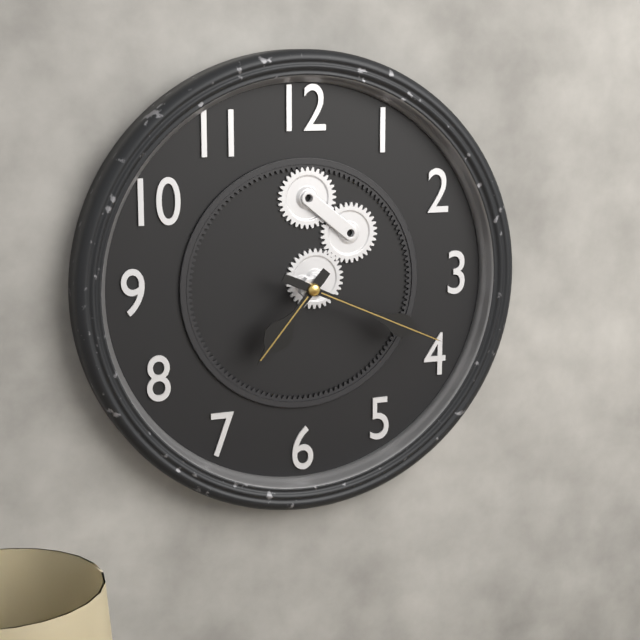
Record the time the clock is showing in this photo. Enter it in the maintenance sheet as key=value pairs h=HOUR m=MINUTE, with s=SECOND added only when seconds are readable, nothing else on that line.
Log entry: h=7 m=19
